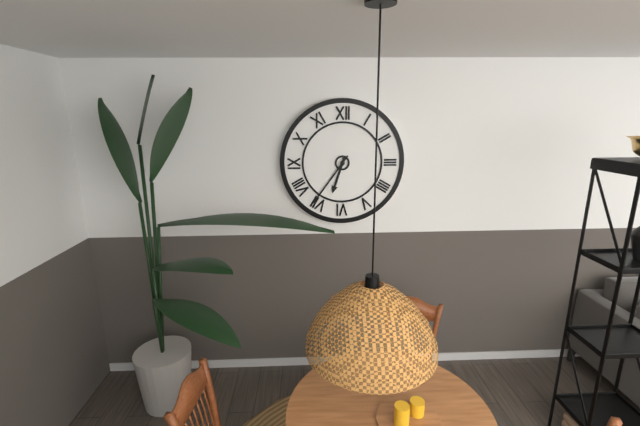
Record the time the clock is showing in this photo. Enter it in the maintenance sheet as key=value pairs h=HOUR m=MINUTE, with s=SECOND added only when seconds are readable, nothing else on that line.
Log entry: h=6 m=36
